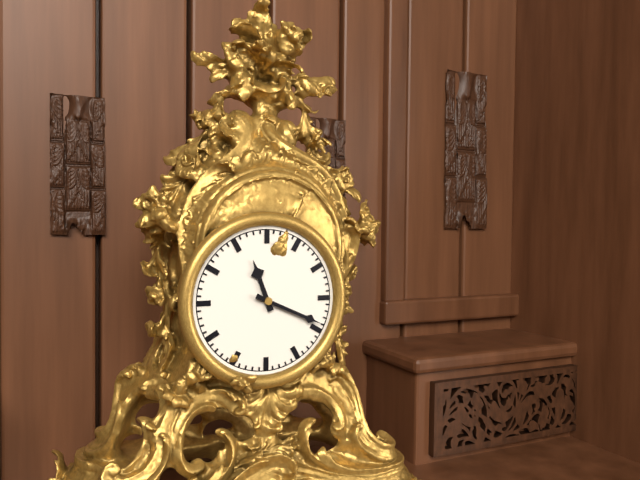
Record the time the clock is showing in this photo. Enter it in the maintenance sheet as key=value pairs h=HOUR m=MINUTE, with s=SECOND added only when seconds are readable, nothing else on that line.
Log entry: h=11 m=19
